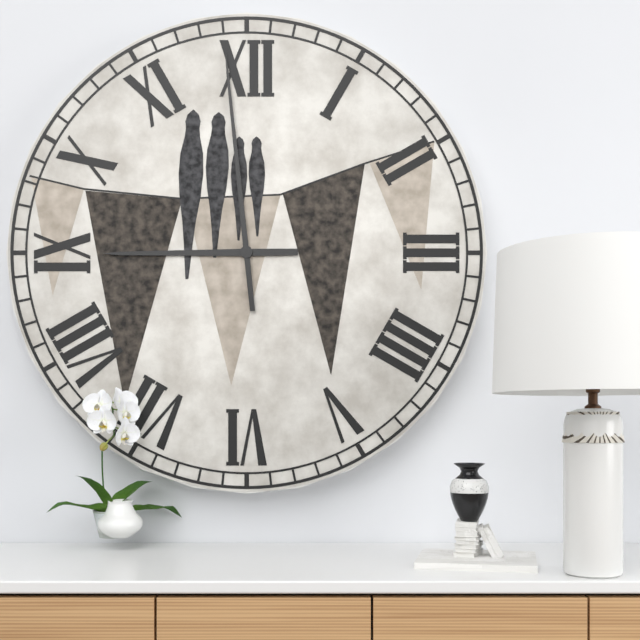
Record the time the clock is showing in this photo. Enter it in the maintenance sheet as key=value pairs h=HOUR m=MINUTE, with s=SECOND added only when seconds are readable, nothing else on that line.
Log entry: h=8 m=59
